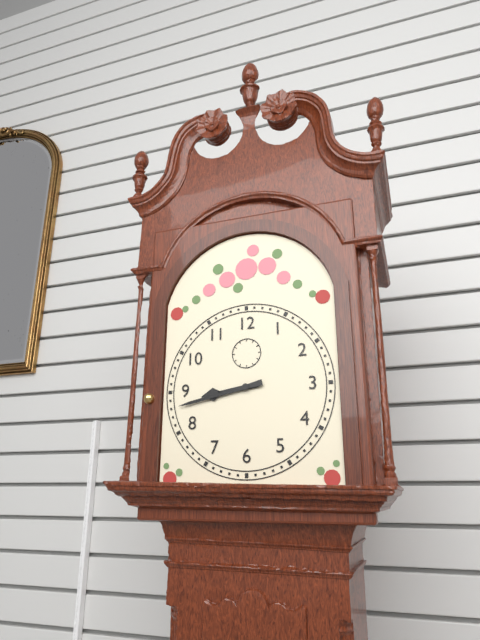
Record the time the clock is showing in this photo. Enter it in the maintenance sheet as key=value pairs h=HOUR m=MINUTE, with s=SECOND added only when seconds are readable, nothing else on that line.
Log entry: h=8 m=43
